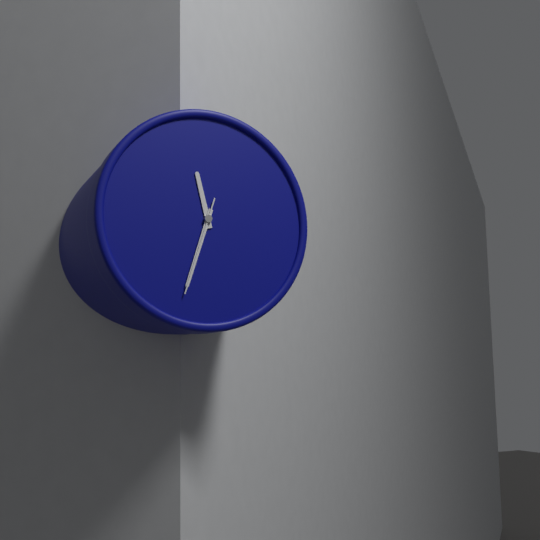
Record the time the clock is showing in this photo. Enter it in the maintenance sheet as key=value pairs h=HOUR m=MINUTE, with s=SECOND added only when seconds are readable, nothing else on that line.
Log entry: h=11 m=33 s=33
